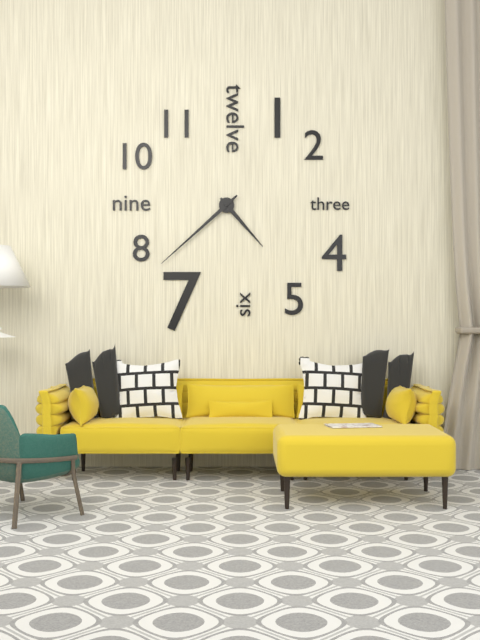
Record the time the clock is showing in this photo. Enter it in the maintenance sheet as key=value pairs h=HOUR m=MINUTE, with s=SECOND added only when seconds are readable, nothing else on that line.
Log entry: h=4 m=38
